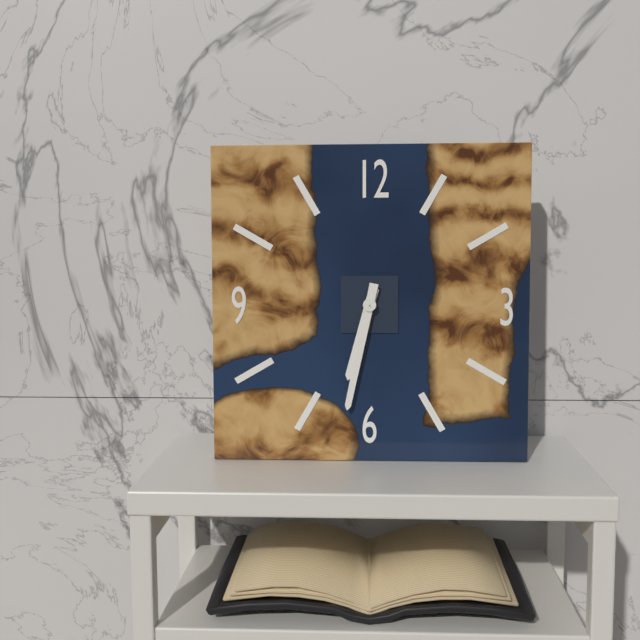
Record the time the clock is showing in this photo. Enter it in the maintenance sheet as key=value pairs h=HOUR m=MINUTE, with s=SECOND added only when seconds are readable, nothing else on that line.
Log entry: h=6 m=32
